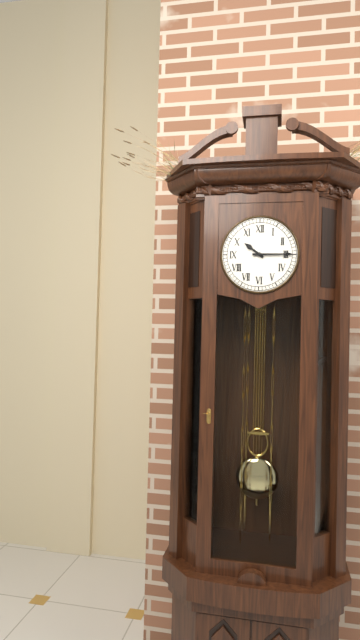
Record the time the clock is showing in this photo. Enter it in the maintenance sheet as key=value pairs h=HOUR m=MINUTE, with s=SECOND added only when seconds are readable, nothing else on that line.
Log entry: h=10 m=15
